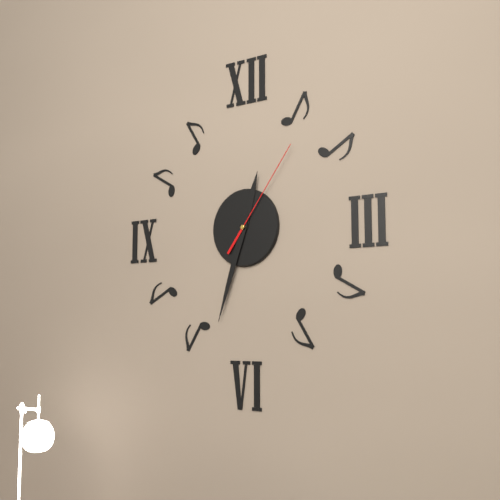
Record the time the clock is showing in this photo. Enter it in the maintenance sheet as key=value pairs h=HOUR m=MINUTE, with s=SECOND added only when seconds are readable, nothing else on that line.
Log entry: h=12 m=33 s=6
